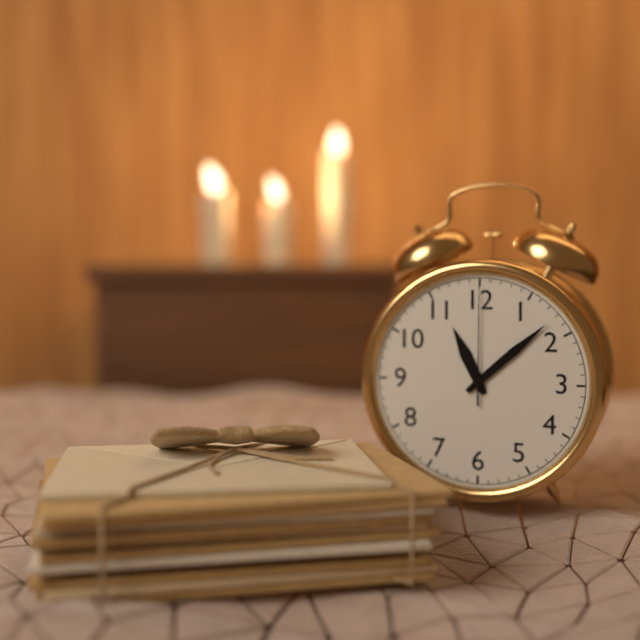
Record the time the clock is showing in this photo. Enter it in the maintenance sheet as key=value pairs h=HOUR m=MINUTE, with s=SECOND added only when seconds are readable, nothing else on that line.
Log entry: h=11 m=8 s=0
